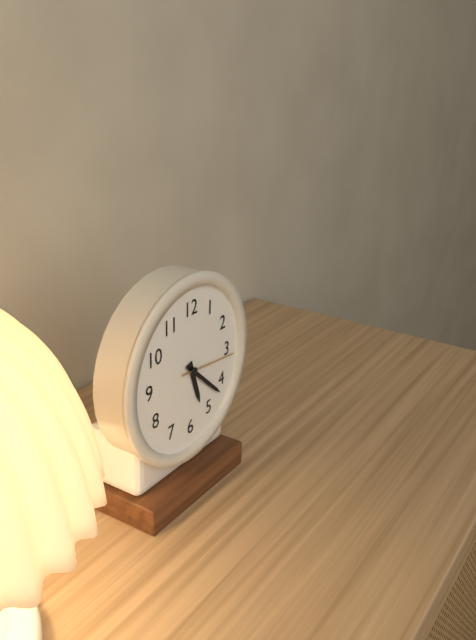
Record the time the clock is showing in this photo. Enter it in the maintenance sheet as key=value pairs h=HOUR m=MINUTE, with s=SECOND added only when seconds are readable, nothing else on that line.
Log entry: h=5 m=22 s=16
